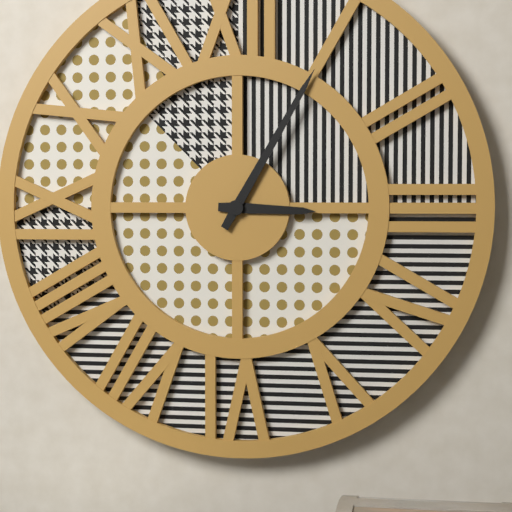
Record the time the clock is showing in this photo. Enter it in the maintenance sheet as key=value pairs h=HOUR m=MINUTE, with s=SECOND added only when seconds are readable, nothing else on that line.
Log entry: h=3 m=5
